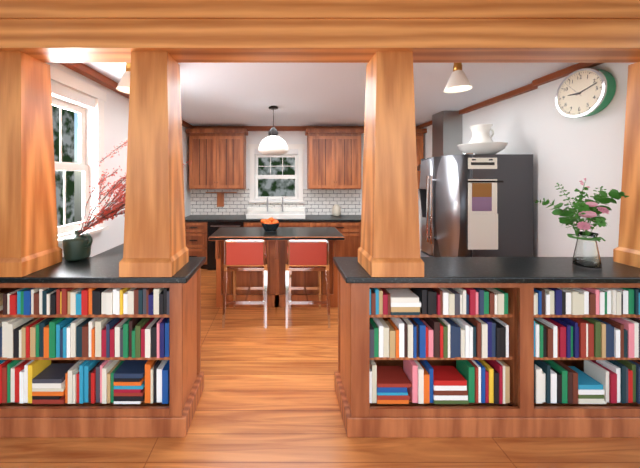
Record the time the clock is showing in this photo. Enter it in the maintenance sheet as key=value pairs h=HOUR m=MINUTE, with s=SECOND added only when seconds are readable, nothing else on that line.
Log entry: h=9 m=12
